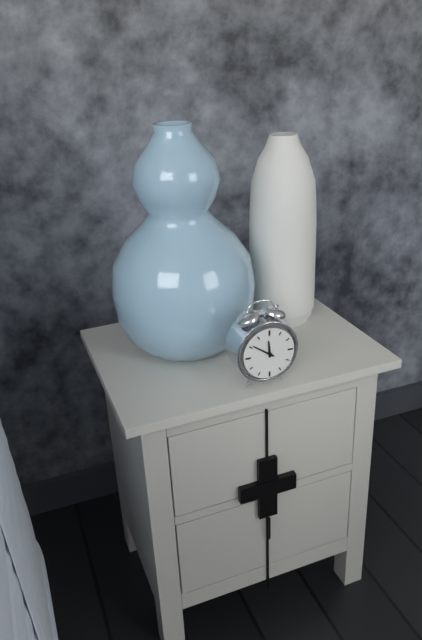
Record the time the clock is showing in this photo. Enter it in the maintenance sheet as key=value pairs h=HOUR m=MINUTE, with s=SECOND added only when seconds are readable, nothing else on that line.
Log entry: h=11 m=51
